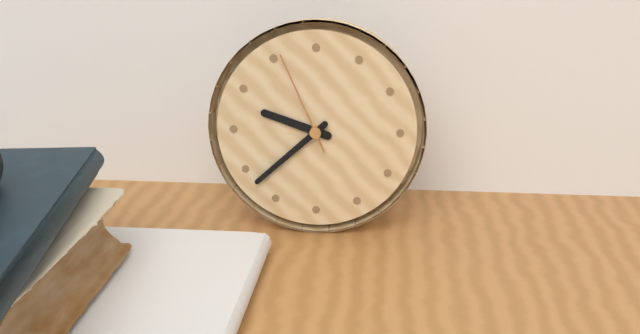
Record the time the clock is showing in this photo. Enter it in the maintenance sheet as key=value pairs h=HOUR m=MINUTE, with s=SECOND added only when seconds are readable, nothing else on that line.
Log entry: h=9 m=38 s=56
